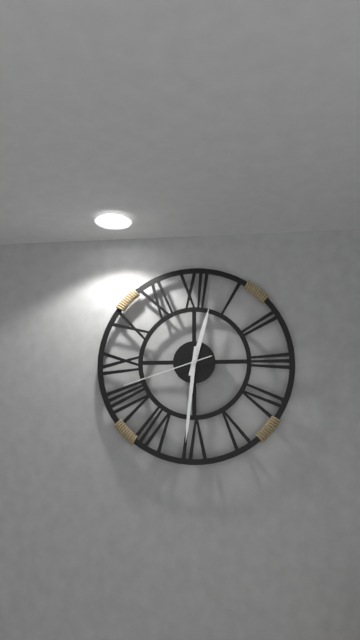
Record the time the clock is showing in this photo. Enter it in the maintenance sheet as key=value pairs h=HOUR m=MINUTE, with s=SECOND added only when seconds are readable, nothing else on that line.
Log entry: h=12 m=31 s=42
